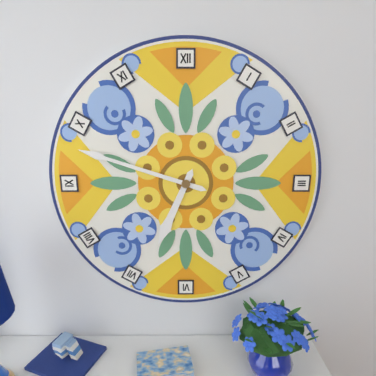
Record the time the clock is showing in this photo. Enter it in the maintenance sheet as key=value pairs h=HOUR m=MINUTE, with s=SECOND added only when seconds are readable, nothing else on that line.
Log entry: h=6 m=48
